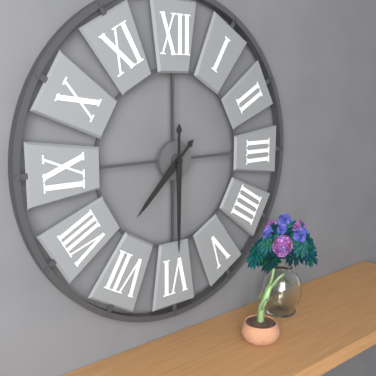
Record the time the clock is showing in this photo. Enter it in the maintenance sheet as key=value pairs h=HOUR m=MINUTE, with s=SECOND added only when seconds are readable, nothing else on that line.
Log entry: h=7 m=30
